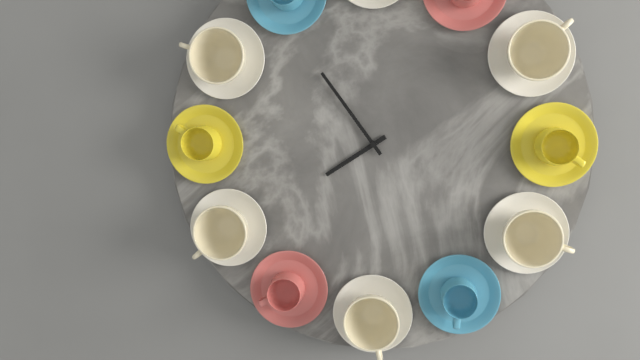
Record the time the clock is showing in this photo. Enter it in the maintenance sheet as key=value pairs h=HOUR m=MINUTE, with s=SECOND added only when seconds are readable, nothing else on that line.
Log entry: h=7 m=54
